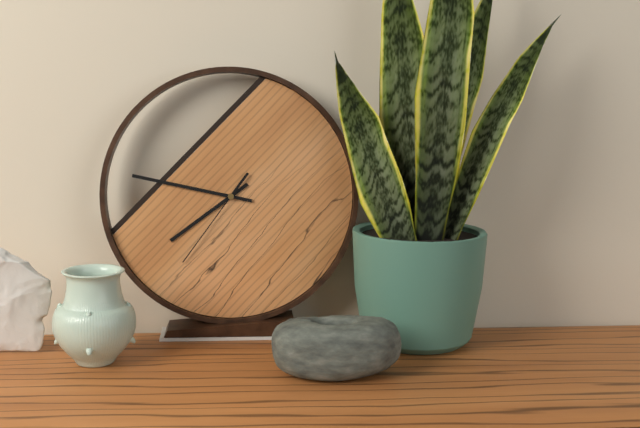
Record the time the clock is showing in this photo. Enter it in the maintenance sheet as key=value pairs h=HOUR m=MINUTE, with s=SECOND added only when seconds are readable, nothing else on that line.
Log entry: h=7 m=47 s=36
